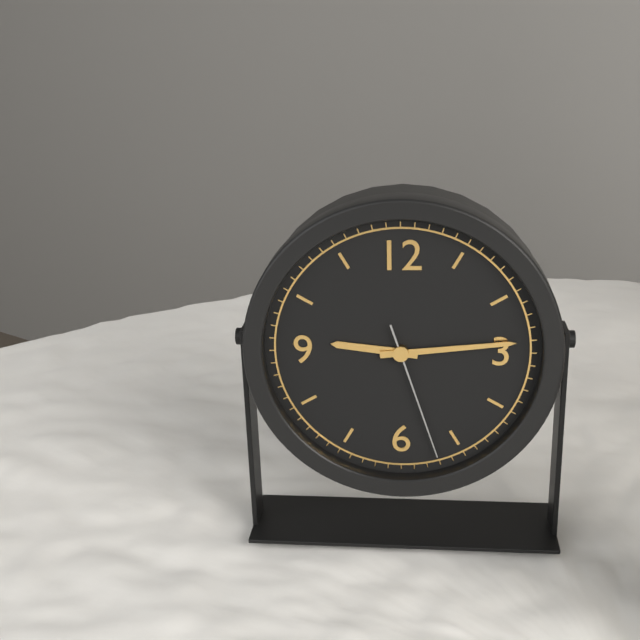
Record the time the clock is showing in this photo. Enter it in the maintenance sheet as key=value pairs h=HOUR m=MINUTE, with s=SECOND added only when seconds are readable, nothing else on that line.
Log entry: h=9 m=14 s=27
